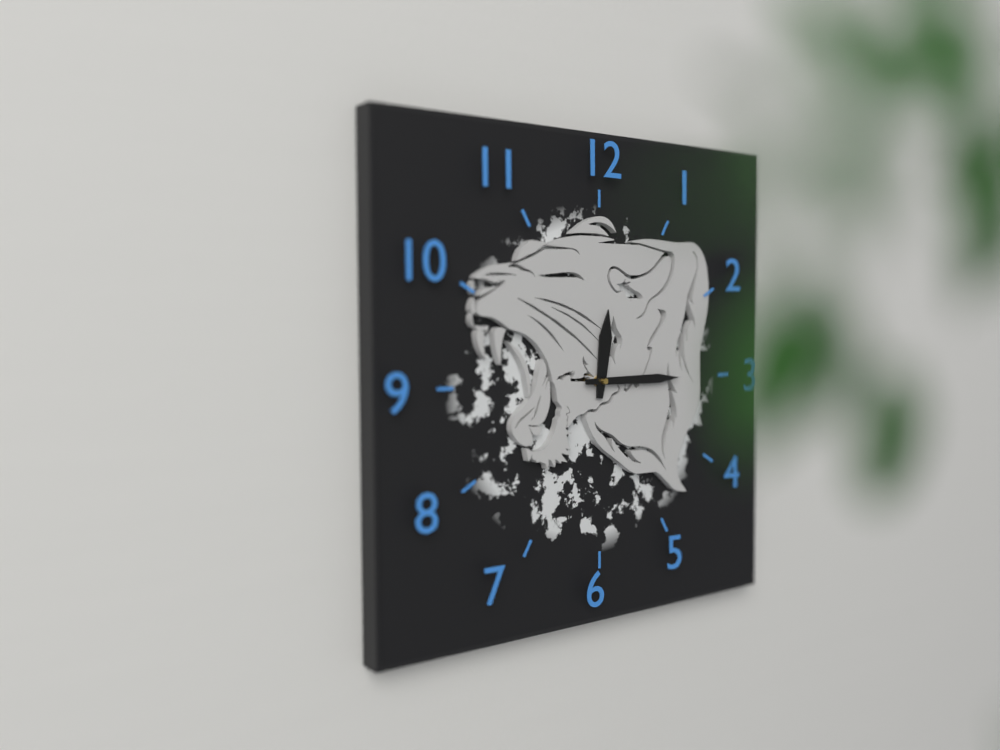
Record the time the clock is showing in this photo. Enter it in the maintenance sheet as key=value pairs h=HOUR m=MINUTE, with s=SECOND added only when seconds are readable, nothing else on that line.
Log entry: h=12 m=15
